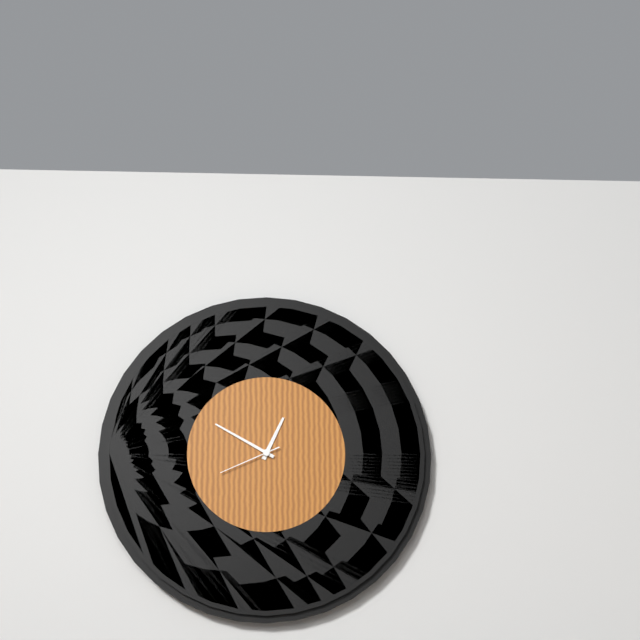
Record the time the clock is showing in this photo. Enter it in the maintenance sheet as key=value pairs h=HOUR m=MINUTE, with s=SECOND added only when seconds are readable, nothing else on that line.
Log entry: h=12 m=50 s=41
